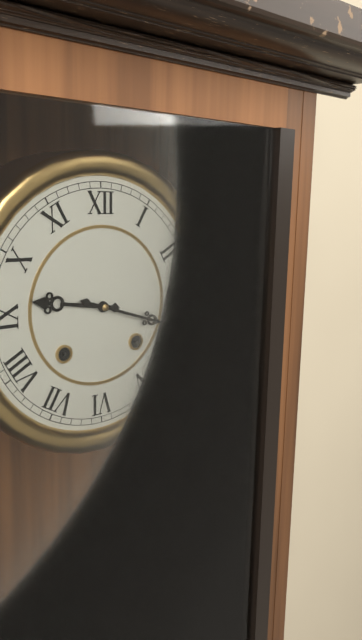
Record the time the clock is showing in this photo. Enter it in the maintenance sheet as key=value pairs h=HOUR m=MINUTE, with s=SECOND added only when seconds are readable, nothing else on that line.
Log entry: h=9 m=18
